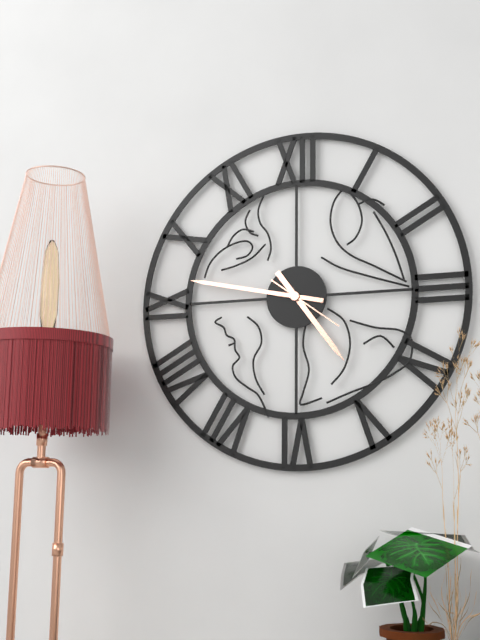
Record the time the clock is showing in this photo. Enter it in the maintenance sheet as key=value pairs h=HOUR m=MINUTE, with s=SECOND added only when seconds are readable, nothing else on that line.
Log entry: h=4 m=47 s=21
